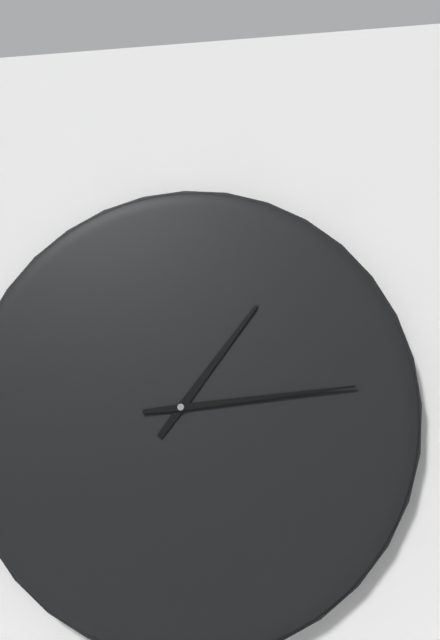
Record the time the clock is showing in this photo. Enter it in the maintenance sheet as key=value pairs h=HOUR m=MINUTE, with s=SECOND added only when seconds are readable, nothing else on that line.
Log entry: h=1 m=14
